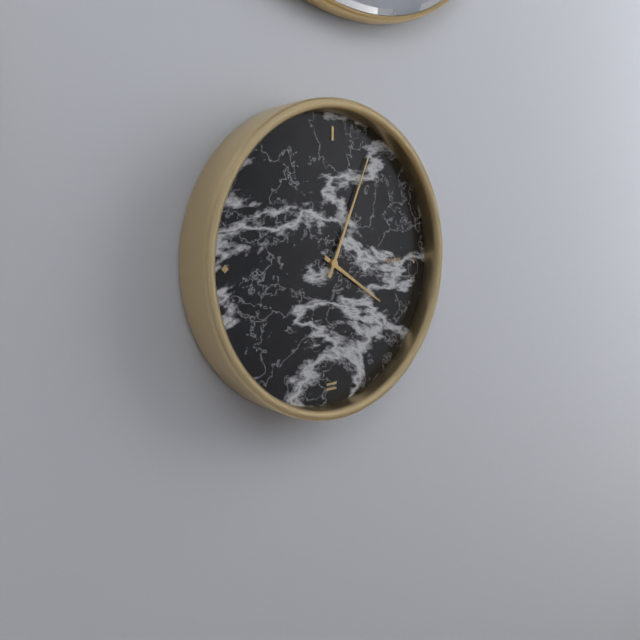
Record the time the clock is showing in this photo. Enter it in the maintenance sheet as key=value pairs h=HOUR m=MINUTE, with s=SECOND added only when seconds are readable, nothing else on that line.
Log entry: h=4 m=4
